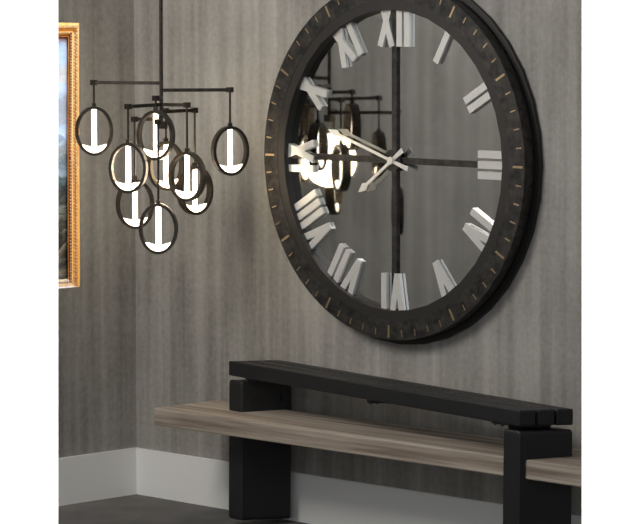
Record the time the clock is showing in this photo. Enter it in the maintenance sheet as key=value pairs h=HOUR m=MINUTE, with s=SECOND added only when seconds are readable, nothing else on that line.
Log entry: h=7 m=48
